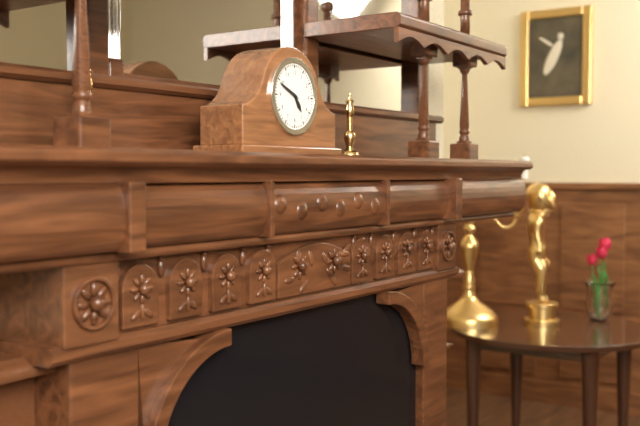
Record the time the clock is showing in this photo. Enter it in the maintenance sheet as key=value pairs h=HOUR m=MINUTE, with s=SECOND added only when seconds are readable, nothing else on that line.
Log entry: h=4 m=49
